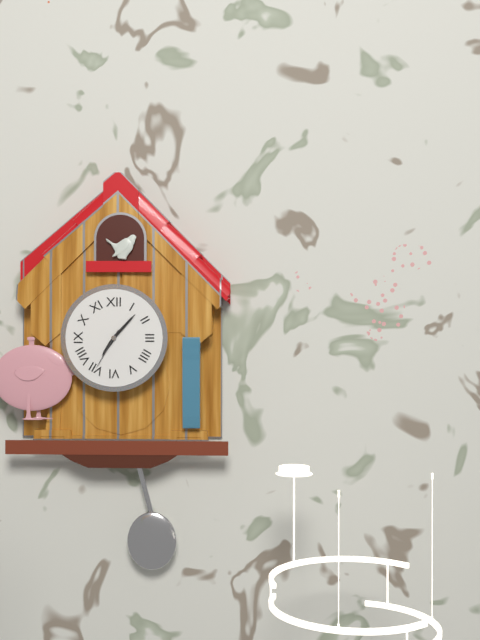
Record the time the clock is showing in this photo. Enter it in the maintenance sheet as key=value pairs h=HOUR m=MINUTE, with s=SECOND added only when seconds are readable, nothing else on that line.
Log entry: h=7 m=7
